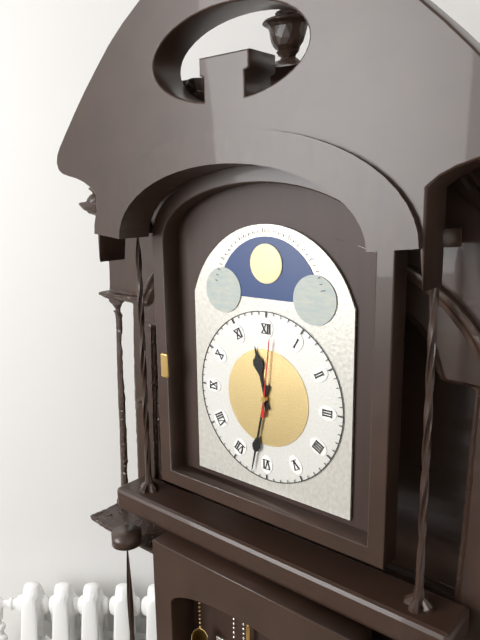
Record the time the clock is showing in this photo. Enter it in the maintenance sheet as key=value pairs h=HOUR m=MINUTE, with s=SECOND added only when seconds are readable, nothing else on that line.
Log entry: h=11 m=32 s=1
